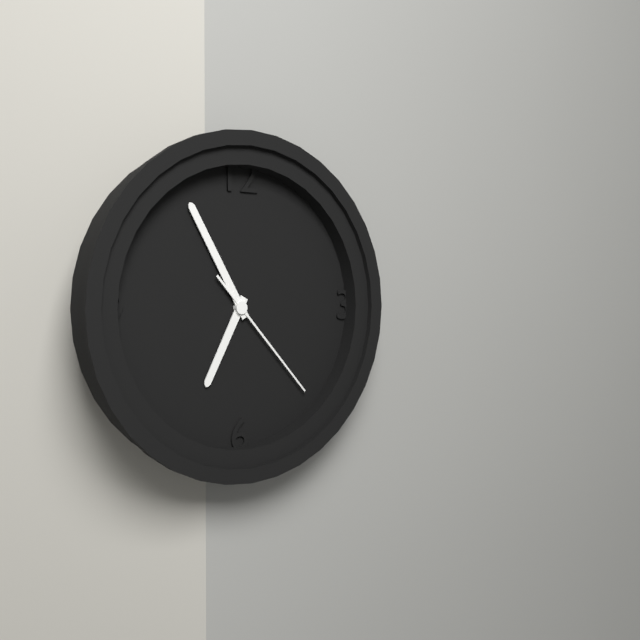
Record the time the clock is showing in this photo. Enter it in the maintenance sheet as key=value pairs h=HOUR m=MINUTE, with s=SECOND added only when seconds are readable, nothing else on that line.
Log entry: h=6 m=55 s=23
